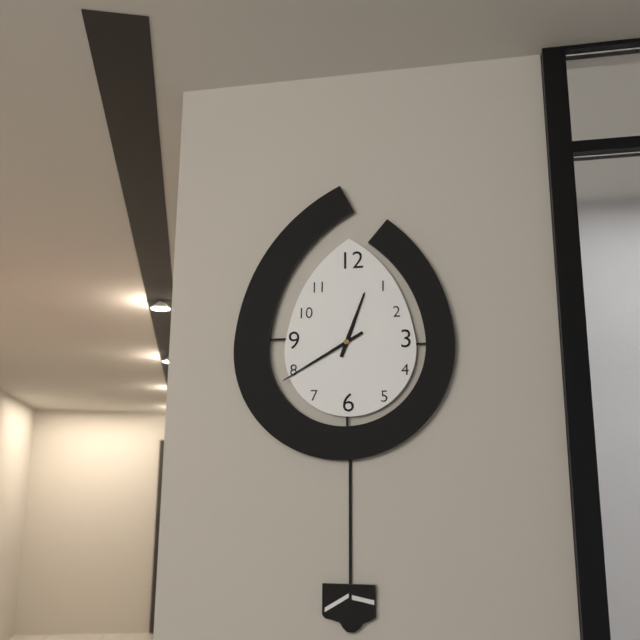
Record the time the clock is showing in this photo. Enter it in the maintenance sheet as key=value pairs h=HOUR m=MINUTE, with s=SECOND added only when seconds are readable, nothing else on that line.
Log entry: h=12 m=40
